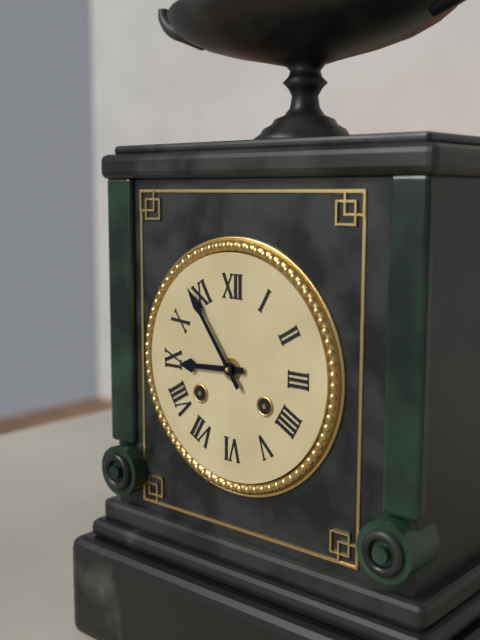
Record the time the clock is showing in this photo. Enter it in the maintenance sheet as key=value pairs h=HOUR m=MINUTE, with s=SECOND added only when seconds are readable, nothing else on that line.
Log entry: h=8 m=54
